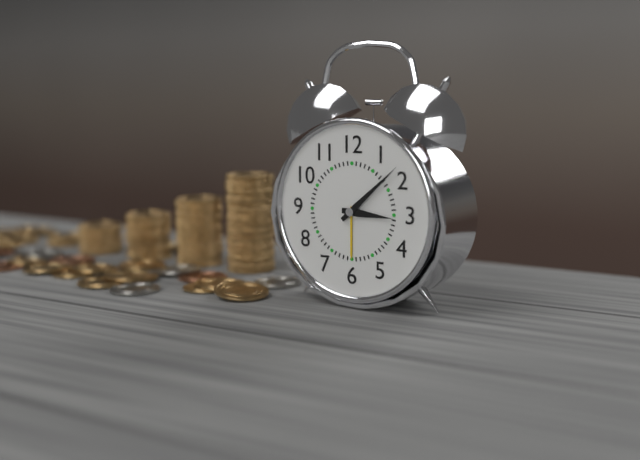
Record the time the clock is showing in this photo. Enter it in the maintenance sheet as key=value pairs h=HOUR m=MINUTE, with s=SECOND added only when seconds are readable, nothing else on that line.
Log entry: h=3 m=8
